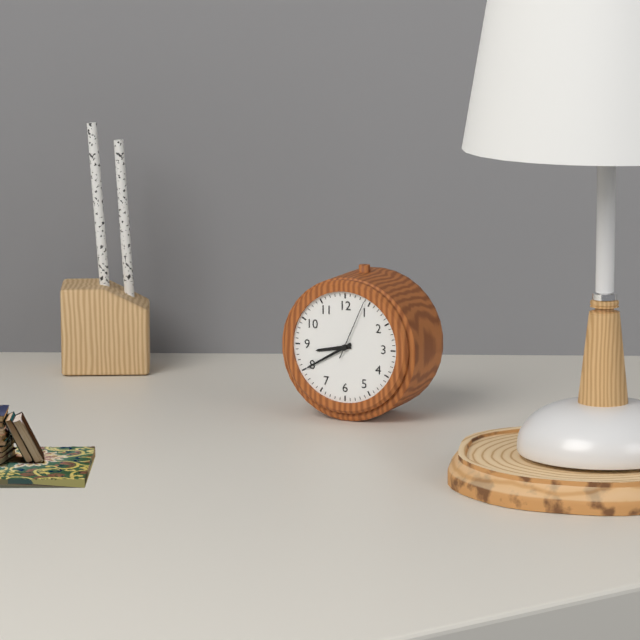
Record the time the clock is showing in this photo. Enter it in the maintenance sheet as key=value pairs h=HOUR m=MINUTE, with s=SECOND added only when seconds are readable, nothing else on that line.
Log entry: h=8 m=40 s=4
